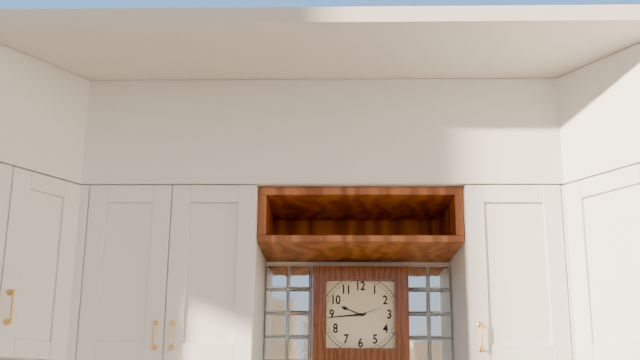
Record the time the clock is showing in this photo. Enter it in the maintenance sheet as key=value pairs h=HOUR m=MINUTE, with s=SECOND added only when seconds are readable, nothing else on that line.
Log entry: h=9 m=44
